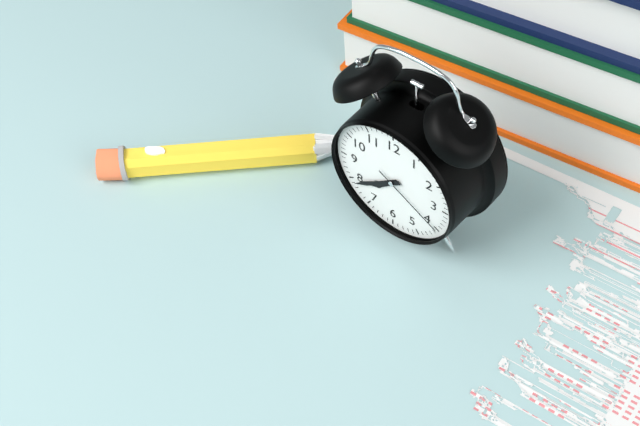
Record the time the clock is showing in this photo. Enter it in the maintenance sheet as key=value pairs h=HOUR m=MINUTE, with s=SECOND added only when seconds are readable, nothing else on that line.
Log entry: h=7 m=39 s=20
